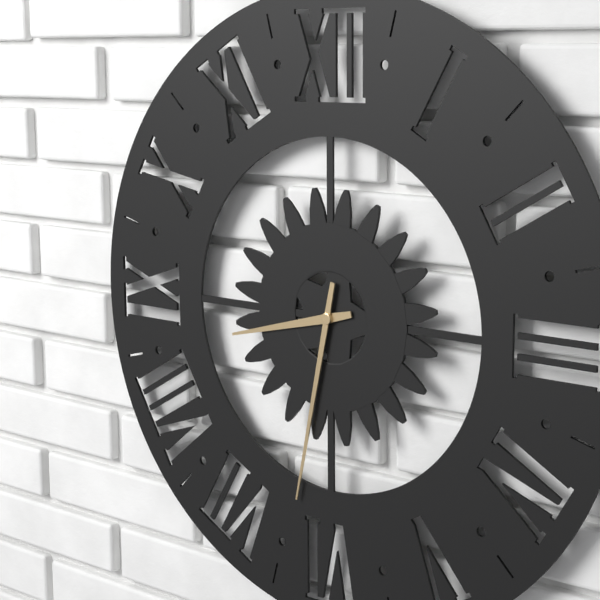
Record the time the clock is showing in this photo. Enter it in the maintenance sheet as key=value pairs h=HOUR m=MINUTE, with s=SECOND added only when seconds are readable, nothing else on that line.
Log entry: h=8 m=32
